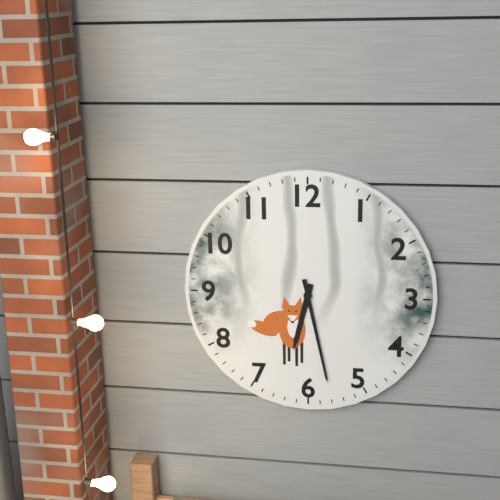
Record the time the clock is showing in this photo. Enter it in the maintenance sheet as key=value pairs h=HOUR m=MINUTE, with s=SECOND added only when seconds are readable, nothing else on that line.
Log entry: h=6 m=28
